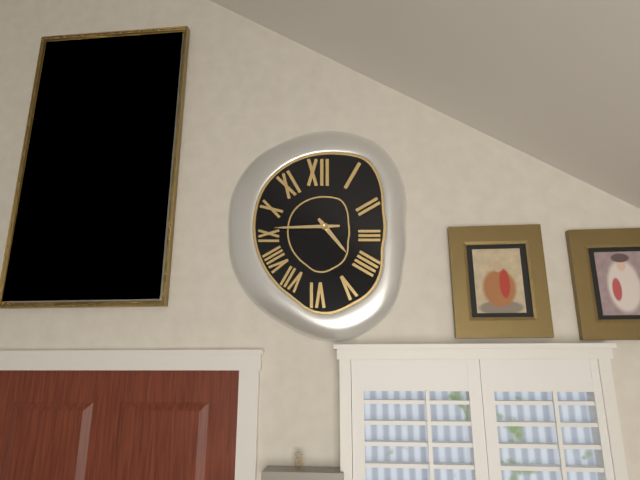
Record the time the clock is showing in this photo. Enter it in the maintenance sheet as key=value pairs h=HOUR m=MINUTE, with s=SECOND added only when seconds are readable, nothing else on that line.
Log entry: h=4 m=45
